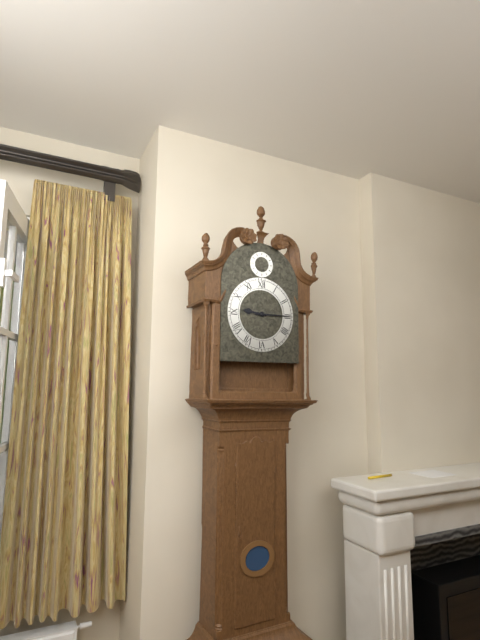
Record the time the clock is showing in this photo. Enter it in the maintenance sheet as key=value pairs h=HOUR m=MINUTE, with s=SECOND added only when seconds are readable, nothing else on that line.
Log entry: h=9 m=15
